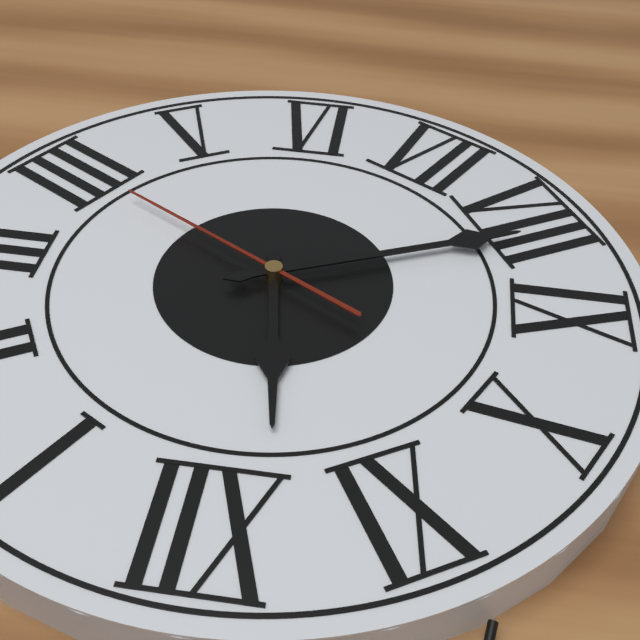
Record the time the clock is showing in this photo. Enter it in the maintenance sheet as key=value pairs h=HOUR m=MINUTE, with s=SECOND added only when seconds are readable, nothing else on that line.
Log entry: h=11 m=41 s=20
